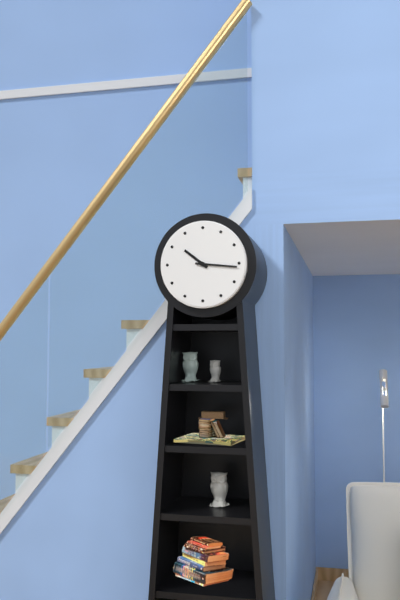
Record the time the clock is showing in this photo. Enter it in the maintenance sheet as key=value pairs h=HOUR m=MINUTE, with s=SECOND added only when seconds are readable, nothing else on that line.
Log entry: h=10 m=16
